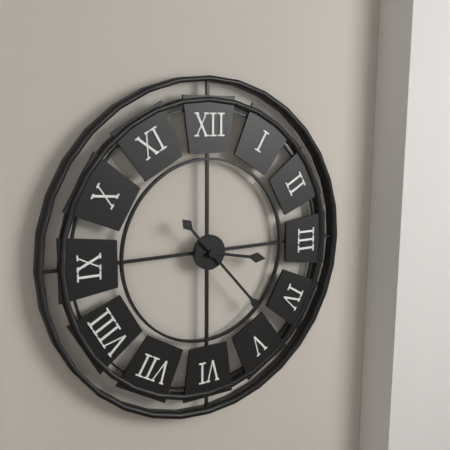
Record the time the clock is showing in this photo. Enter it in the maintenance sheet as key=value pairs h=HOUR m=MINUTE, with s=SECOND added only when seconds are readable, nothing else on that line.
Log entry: h=3 m=23
